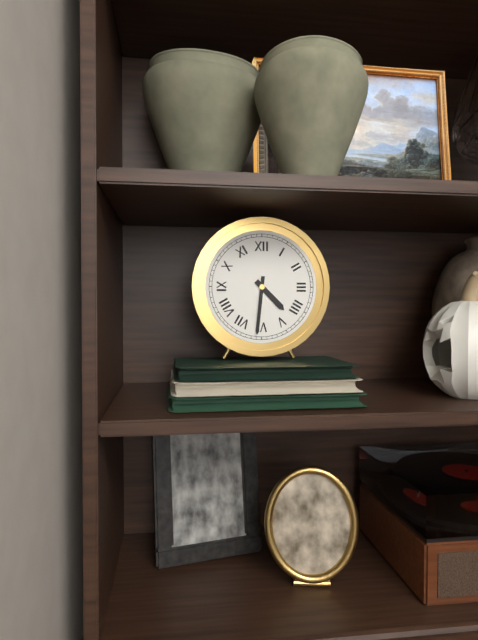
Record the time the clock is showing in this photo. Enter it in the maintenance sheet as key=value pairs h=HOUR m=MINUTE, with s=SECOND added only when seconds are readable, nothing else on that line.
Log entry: h=4 m=31
